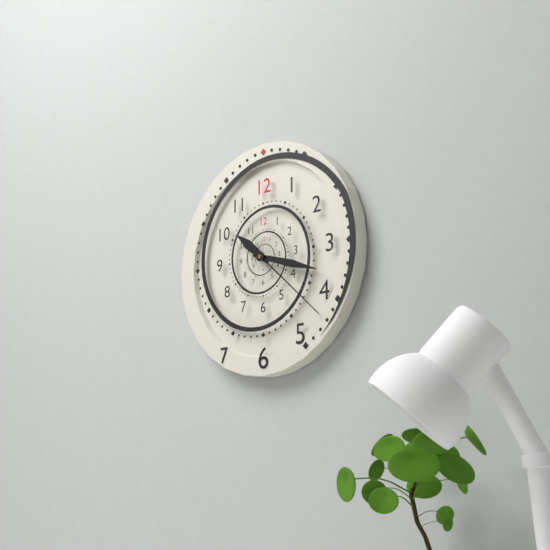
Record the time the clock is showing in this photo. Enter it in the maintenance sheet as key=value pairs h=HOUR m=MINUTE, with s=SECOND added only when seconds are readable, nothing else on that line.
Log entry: h=10 m=18 s=22
